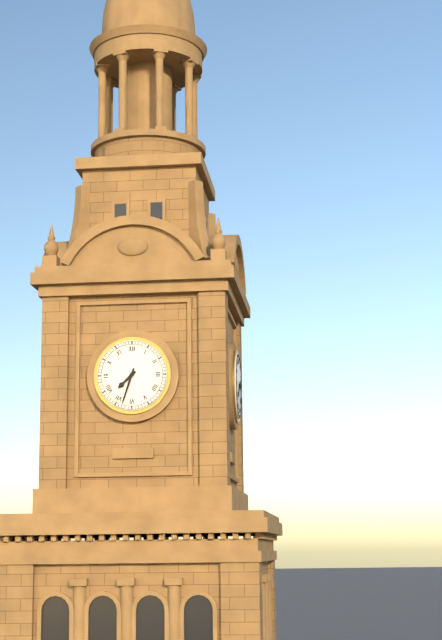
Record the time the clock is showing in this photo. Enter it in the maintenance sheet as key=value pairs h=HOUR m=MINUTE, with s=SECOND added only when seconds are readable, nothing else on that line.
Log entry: h=7 m=33
